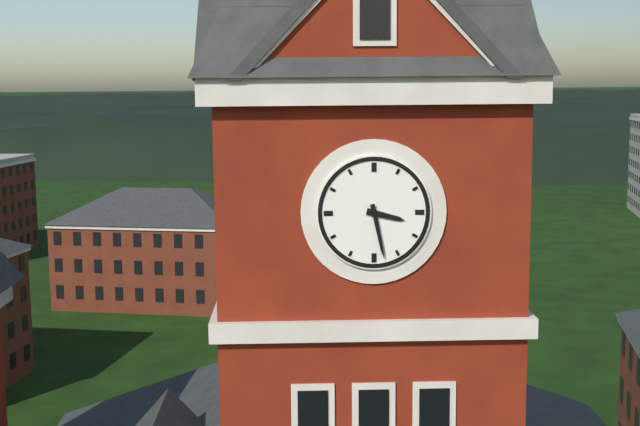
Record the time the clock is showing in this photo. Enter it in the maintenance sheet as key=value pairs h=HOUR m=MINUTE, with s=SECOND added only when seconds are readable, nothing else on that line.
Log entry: h=3 m=28
